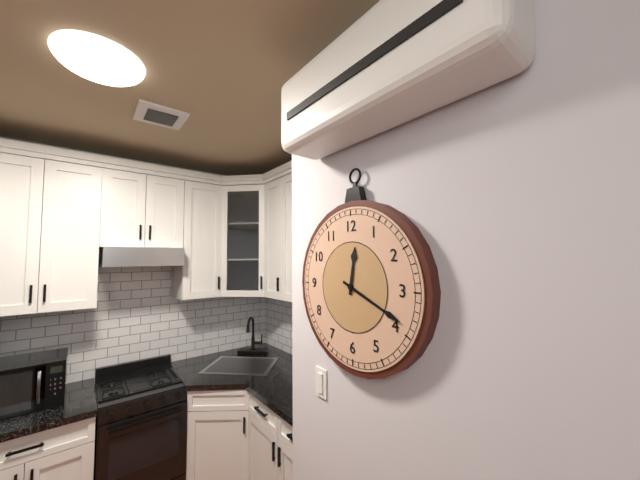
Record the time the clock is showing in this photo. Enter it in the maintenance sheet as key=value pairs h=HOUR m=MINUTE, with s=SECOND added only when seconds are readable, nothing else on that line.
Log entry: h=12 m=19
